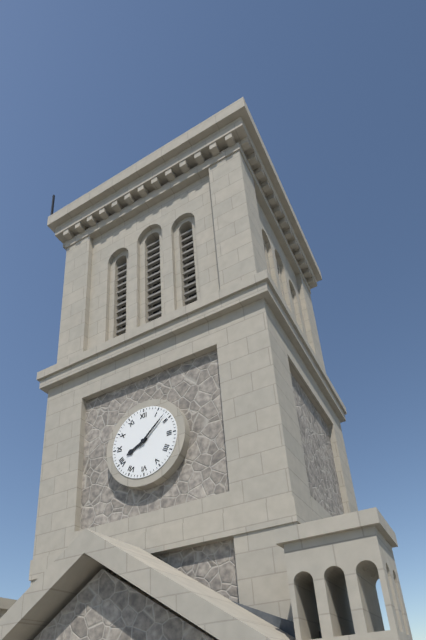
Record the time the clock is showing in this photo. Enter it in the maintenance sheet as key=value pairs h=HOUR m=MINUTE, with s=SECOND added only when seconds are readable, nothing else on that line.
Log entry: h=8 m=8
